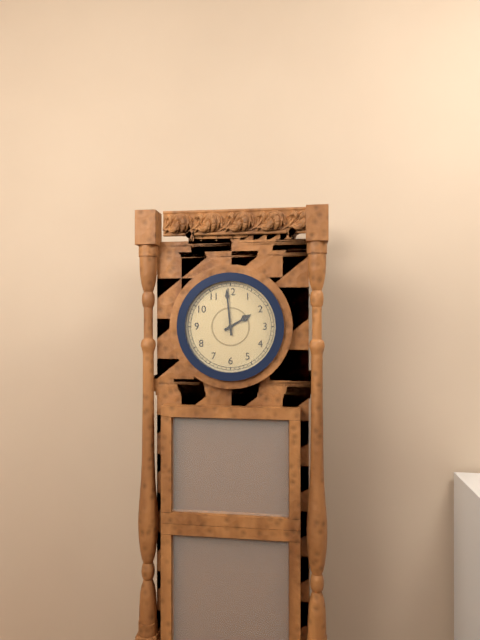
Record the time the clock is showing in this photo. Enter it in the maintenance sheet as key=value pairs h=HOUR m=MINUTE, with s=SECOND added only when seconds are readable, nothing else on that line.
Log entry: h=1 m=59
